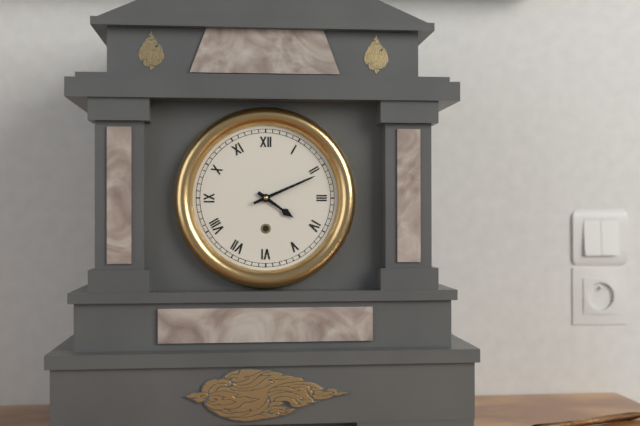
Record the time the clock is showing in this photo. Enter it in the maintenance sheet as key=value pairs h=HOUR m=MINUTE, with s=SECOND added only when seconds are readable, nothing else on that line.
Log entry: h=4 m=11
